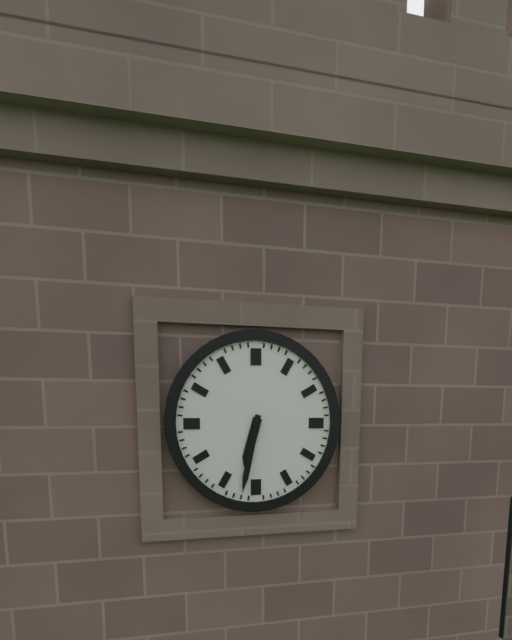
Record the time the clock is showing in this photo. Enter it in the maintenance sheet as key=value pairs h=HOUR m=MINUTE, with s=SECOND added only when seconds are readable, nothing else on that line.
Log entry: h=6 m=32
